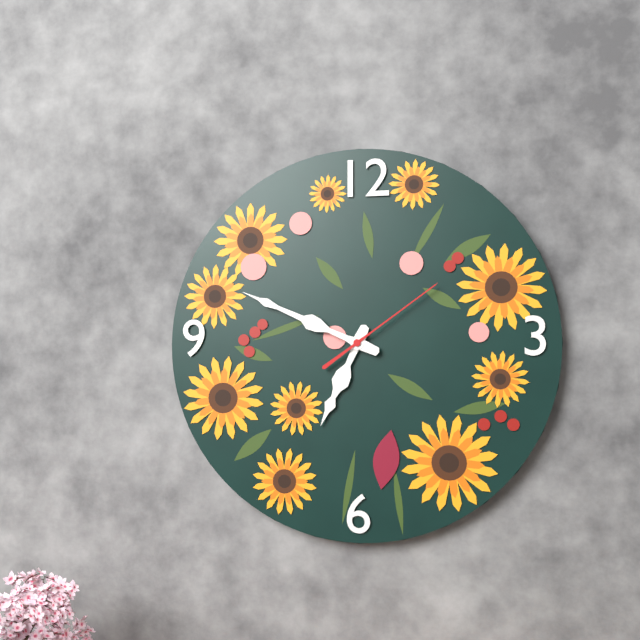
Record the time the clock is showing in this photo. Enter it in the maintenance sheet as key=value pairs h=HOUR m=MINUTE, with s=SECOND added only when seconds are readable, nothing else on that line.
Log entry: h=6 m=49 s=9
